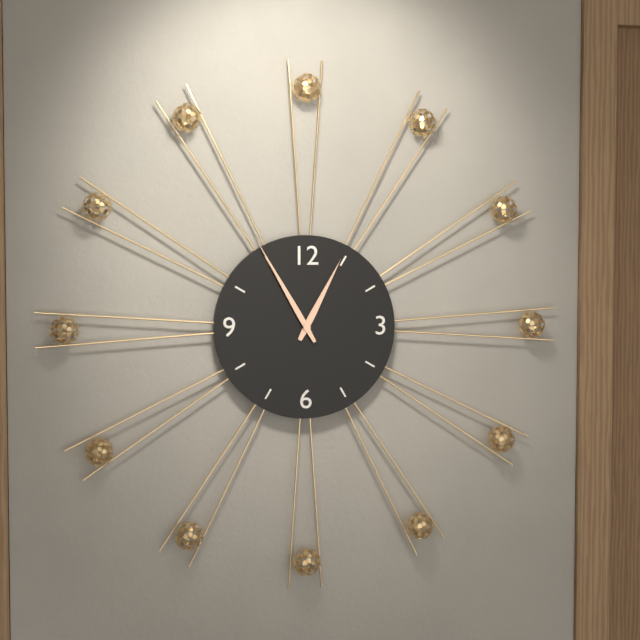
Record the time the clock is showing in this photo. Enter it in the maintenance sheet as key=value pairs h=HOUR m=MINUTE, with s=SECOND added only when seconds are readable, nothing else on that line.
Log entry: h=12 m=55
